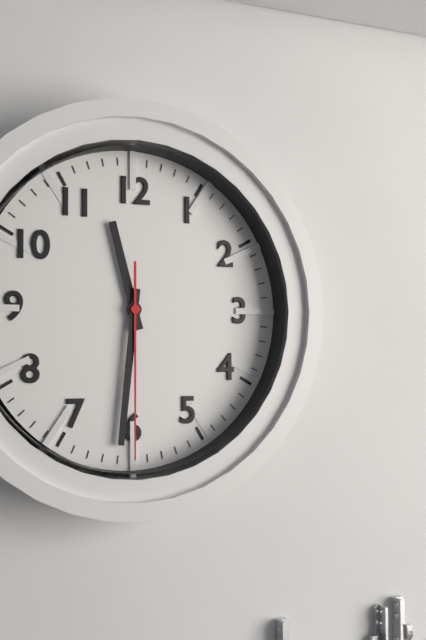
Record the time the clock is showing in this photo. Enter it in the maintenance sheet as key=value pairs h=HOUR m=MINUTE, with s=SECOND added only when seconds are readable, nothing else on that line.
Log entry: h=11 m=31 s=30
